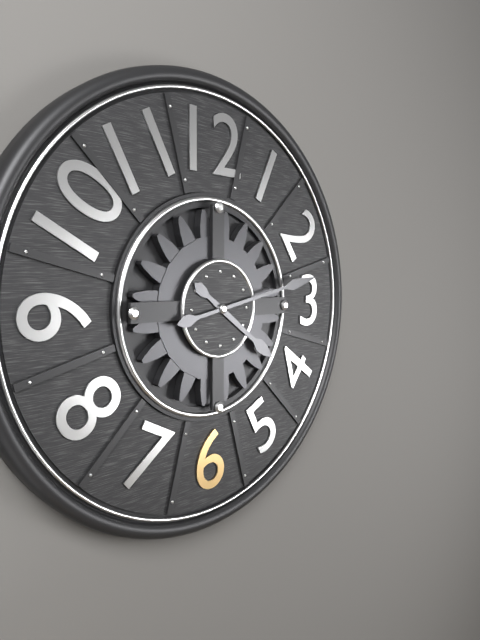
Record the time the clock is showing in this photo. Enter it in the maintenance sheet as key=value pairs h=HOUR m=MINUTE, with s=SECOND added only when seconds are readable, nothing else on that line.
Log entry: h=4 m=13
